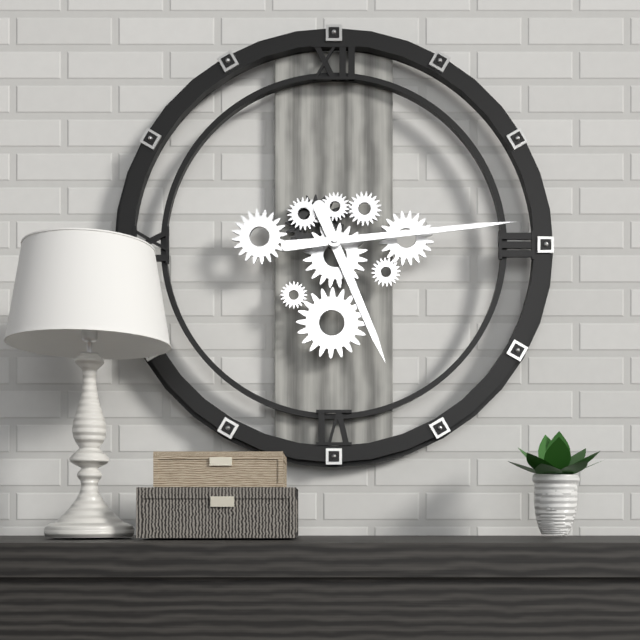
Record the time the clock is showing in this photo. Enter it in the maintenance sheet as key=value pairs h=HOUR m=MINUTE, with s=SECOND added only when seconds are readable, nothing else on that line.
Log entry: h=5 m=14
